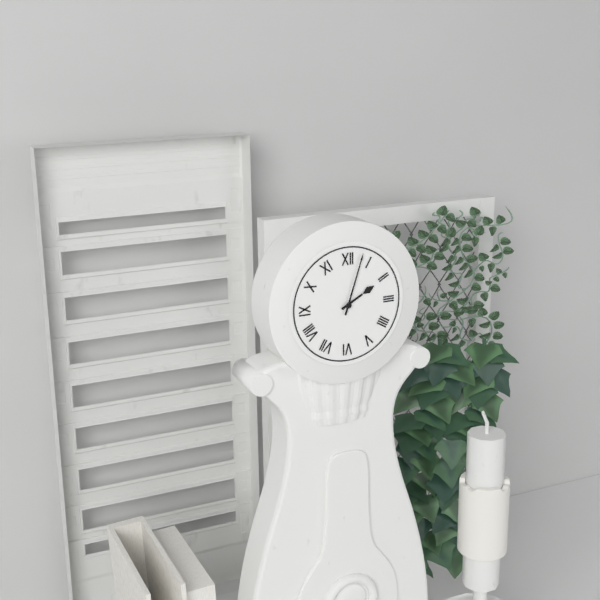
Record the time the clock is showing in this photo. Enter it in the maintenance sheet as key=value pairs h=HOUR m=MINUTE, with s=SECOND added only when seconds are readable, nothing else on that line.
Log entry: h=2 m=3
